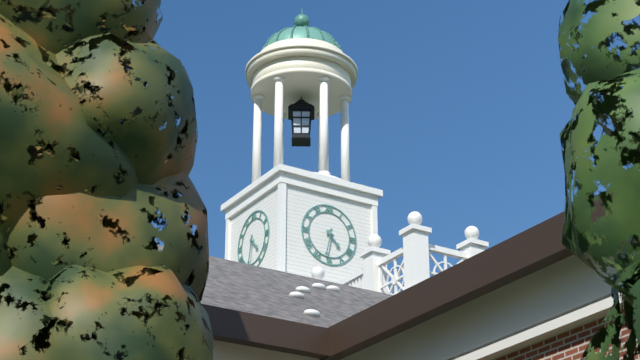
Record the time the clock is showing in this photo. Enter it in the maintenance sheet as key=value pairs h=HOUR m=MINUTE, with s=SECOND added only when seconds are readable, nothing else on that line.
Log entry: h=4 m=32
